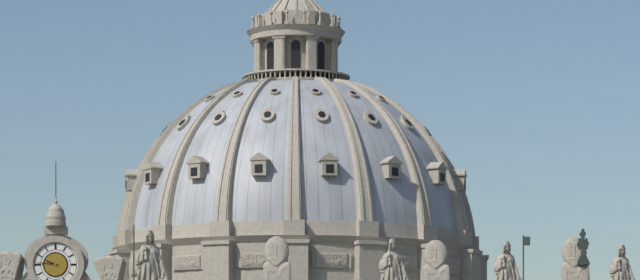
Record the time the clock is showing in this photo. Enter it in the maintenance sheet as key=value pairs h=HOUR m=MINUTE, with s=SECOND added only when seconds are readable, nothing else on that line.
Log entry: h=9 m=46
